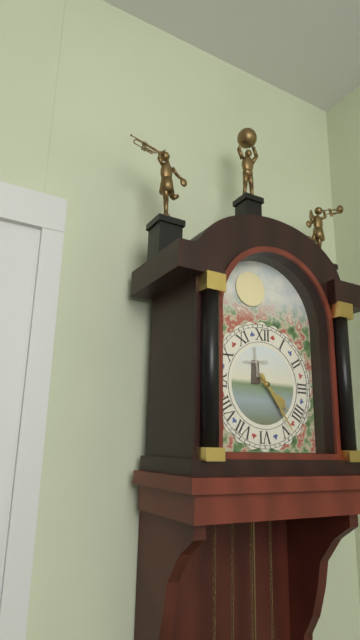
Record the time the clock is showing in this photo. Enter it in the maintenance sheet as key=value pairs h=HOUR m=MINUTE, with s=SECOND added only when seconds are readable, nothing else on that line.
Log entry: h=4 m=24
